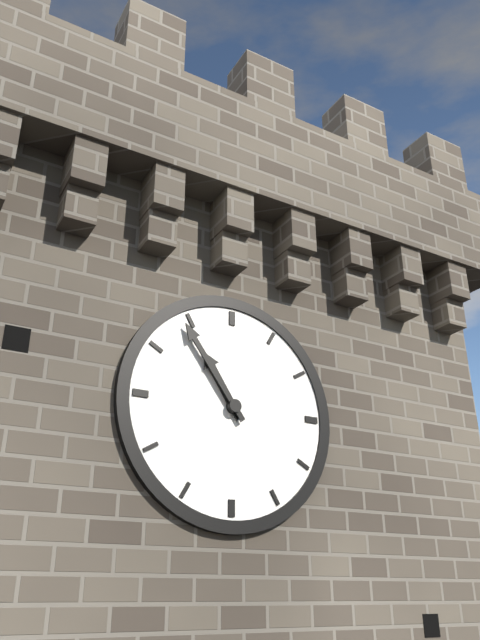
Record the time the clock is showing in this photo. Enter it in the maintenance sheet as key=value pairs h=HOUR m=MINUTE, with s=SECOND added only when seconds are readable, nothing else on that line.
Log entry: h=10 m=54
